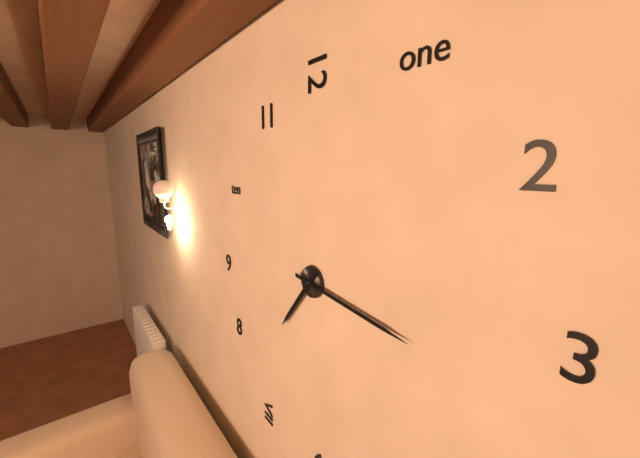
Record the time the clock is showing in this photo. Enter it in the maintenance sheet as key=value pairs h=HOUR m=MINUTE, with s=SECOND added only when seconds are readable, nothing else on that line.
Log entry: h=7 m=16
